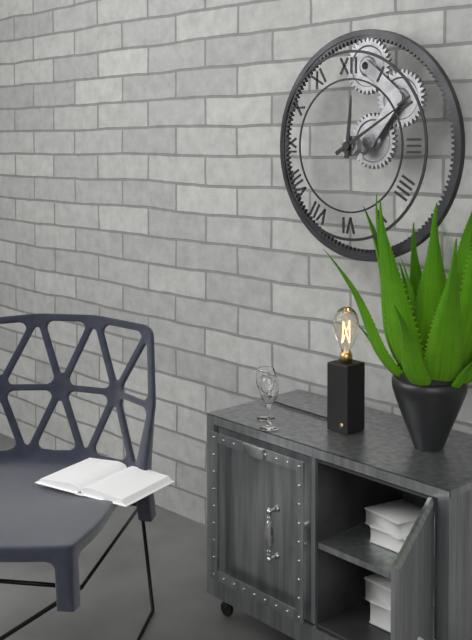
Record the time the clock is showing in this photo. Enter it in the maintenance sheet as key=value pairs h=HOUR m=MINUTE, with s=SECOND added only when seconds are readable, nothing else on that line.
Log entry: h=12 m=10
